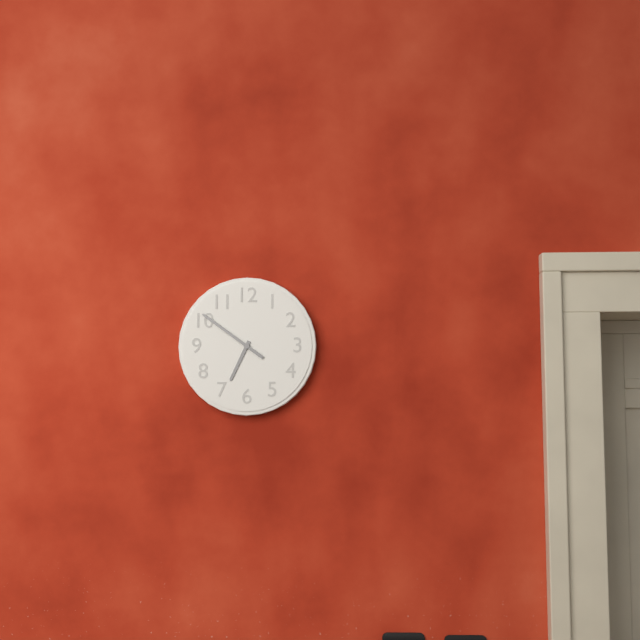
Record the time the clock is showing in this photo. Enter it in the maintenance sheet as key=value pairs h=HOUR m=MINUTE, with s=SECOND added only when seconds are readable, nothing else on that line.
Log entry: h=6 m=51
